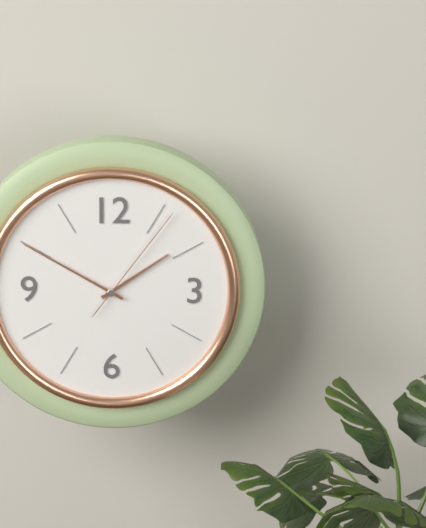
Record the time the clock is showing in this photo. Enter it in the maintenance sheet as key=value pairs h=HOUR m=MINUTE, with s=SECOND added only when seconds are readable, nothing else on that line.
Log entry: h=1 m=50 s=6
